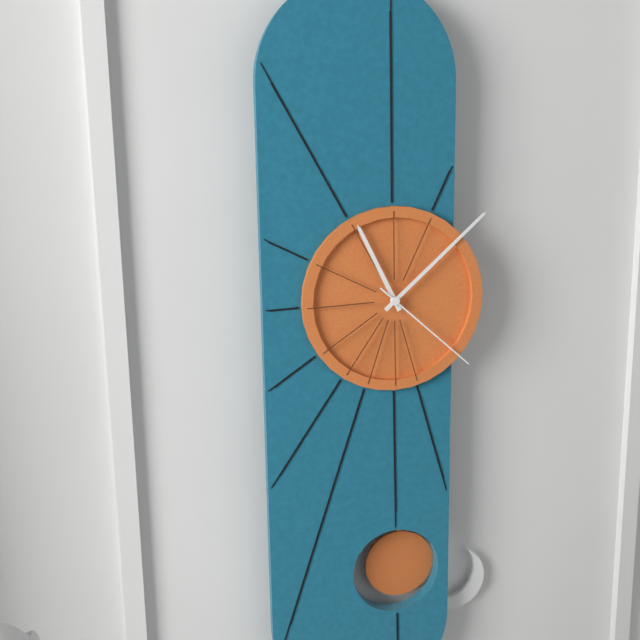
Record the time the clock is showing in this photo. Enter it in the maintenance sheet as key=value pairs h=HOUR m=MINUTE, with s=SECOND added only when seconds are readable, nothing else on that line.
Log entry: h=11 m=8 s=22
